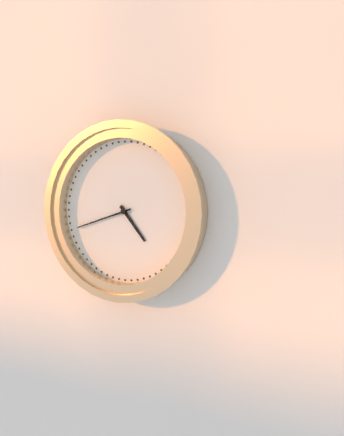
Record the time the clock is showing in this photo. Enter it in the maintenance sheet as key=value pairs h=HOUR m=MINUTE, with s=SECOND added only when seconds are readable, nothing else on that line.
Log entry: h=4 m=42
